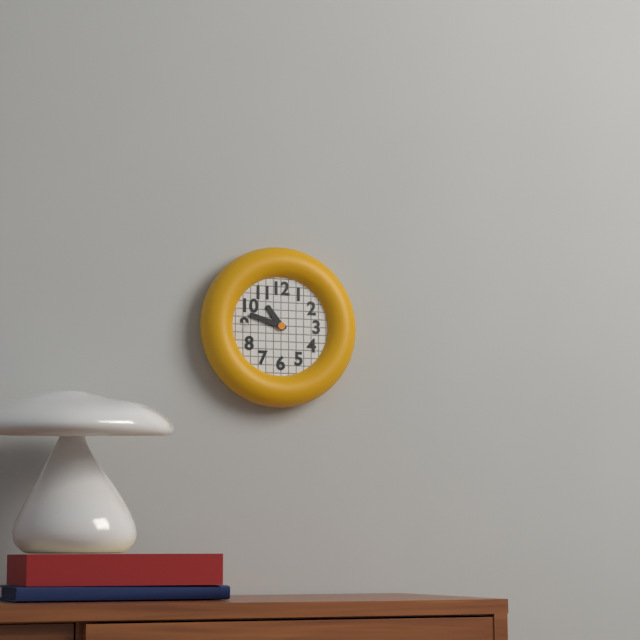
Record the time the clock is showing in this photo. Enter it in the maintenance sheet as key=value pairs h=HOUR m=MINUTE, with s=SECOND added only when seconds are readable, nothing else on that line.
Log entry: h=10 m=48
